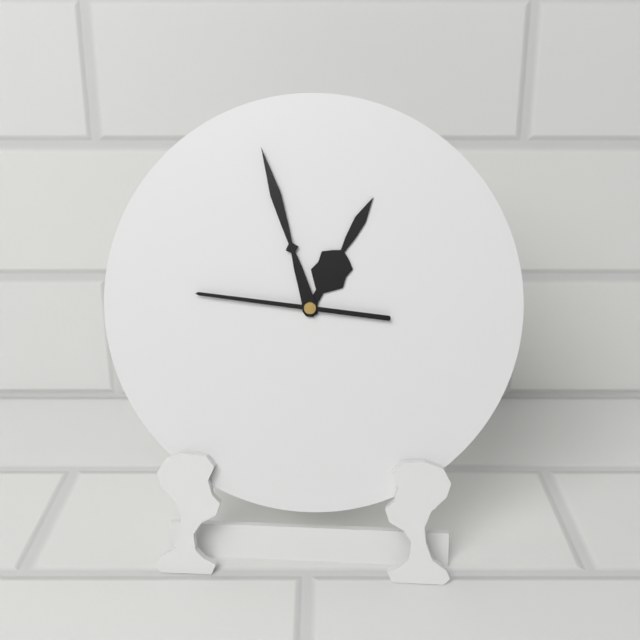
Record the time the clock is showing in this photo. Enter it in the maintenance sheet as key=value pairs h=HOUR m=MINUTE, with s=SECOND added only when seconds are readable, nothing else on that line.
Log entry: h=12 m=57 s=46
